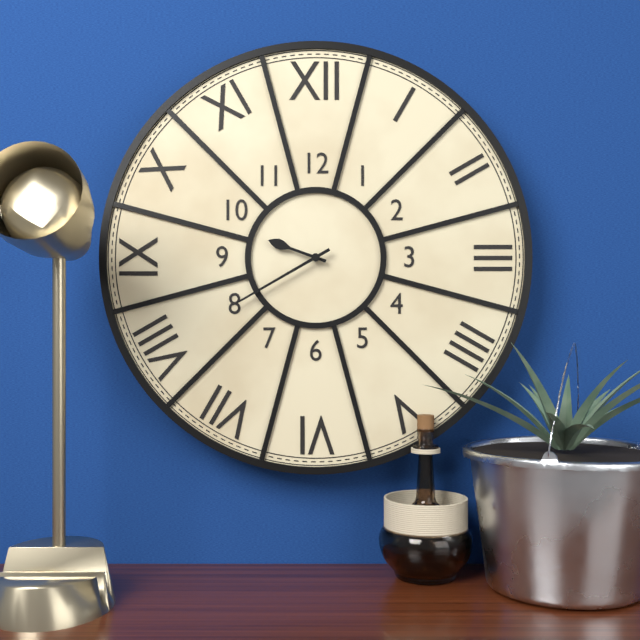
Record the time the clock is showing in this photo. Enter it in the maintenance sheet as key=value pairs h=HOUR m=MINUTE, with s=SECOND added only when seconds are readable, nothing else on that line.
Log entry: h=9 m=40
